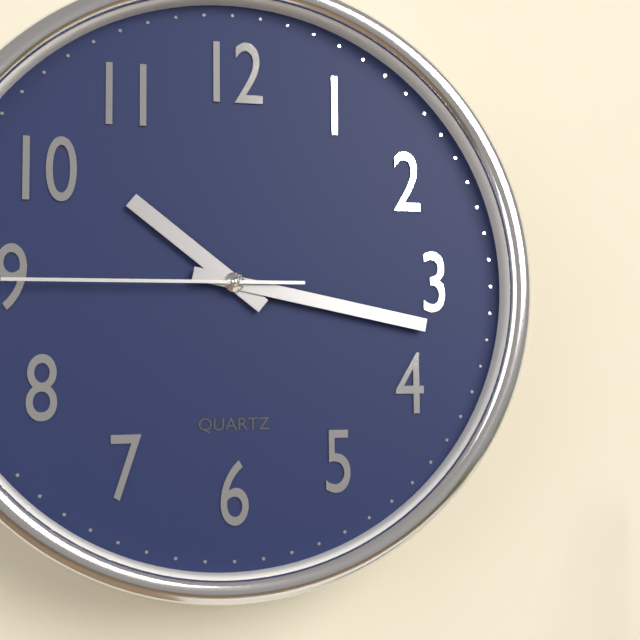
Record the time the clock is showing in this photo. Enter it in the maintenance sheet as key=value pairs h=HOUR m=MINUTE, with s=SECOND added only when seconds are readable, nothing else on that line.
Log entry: h=10 m=17 s=45
